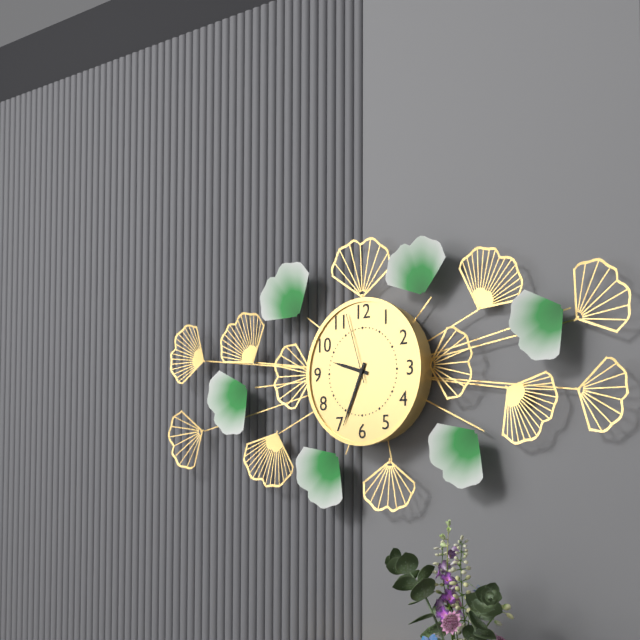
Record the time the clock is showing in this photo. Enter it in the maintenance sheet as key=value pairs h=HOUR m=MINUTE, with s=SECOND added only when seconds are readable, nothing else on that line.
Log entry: h=9 m=34 s=57
